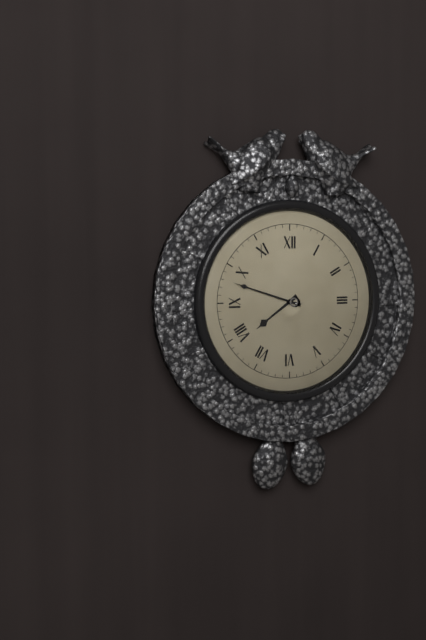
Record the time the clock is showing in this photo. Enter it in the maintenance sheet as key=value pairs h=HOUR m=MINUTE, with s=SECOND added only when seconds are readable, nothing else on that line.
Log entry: h=7 m=48
